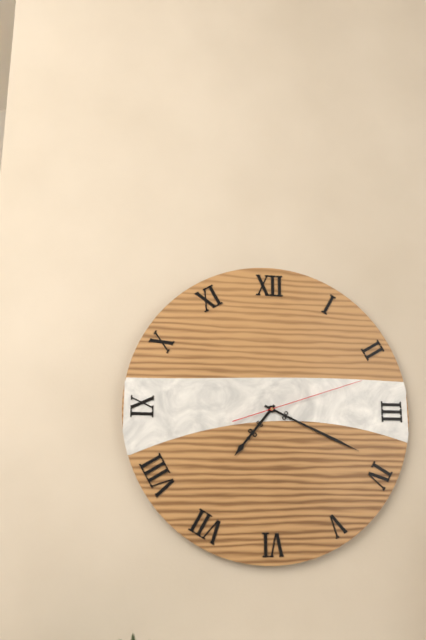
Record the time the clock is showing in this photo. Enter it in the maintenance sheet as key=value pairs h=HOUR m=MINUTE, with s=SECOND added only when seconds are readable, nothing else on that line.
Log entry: h=7 m=19 s=12
